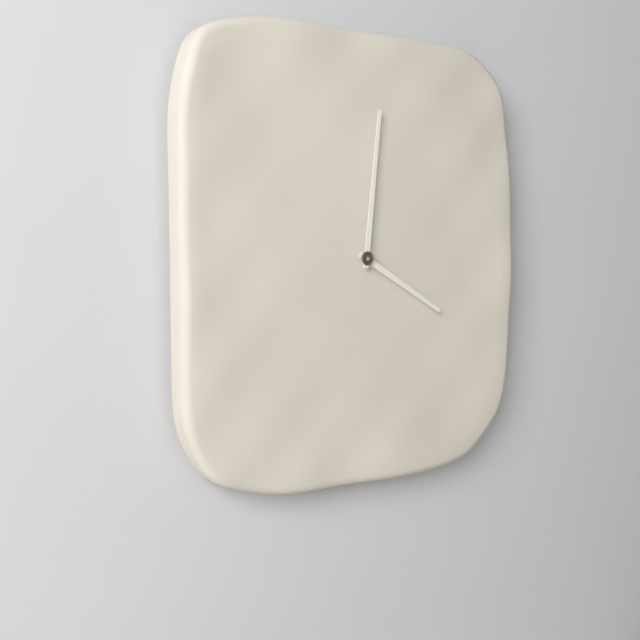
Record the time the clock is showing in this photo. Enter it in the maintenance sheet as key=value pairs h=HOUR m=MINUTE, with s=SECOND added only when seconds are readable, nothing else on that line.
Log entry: h=4 m=1
